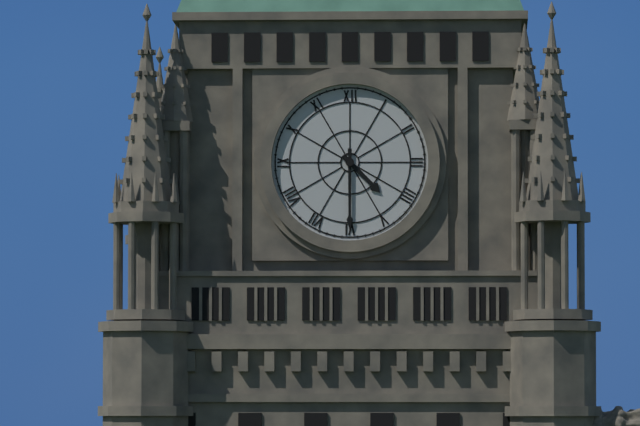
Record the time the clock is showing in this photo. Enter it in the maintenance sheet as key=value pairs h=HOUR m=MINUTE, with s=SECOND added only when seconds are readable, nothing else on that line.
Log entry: h=4 m=30
